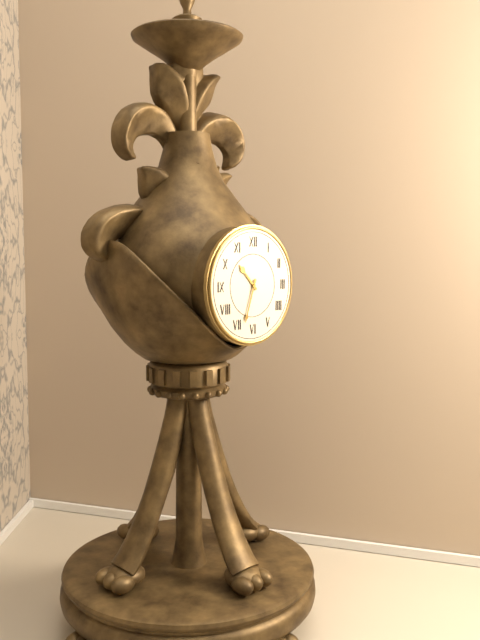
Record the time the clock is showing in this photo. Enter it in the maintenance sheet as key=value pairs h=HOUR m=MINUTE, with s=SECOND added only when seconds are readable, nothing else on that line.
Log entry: h=10 m=33
